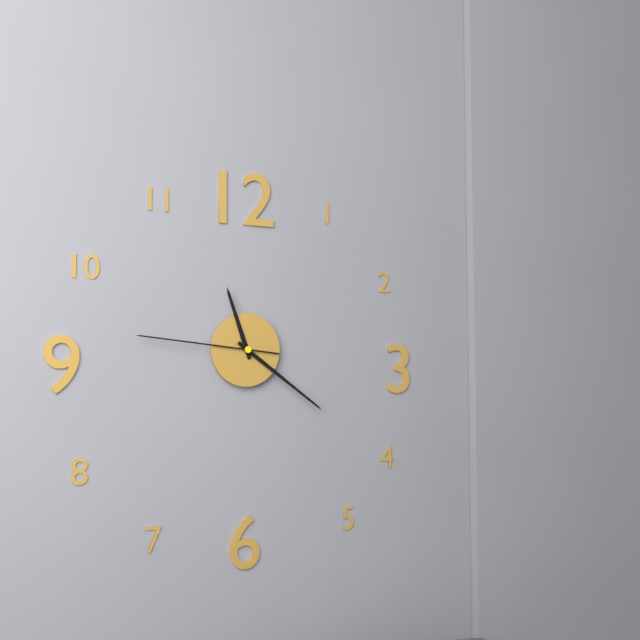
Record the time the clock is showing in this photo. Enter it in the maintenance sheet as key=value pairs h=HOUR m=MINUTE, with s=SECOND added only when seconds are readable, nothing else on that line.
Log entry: h=11 m=21 s=46
